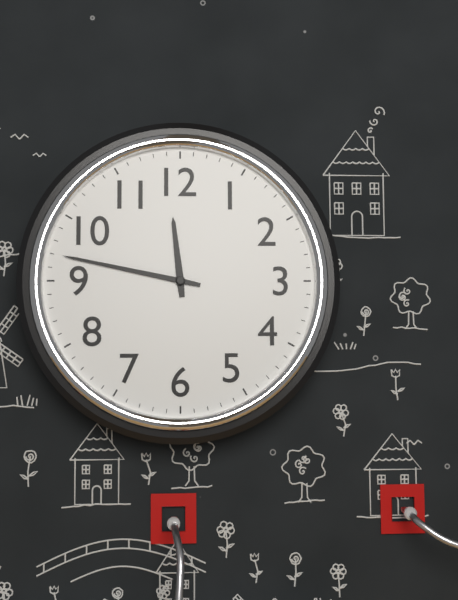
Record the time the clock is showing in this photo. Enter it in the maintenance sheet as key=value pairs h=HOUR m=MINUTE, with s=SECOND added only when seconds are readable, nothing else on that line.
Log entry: h=11 m=47
